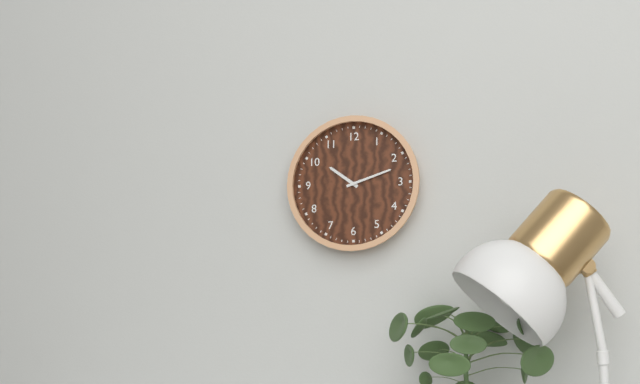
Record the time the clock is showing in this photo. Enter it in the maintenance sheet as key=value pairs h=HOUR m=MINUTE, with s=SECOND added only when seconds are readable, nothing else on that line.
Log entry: h=10 m=12
